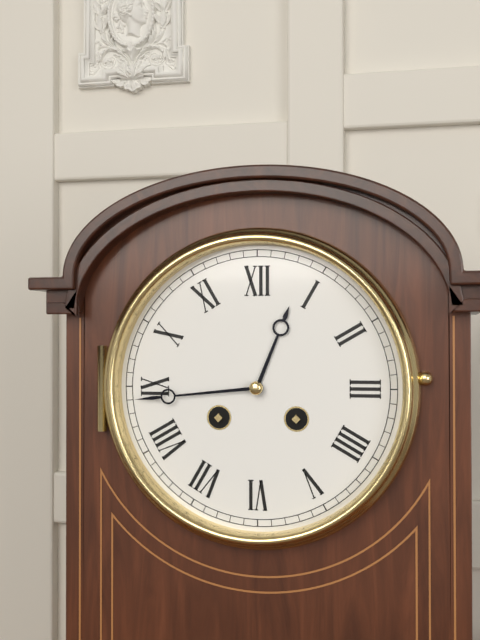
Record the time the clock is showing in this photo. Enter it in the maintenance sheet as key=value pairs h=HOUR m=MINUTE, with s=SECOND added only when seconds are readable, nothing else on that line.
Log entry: h=12 m=44
